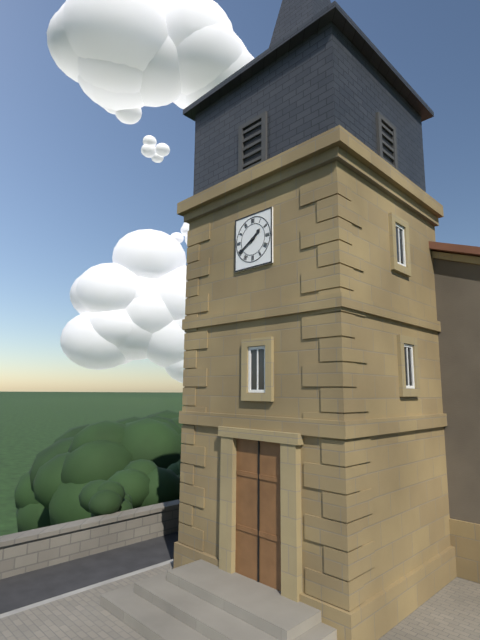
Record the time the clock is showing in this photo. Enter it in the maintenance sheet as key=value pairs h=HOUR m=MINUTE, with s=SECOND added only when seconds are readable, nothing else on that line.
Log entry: h=1 m=40
